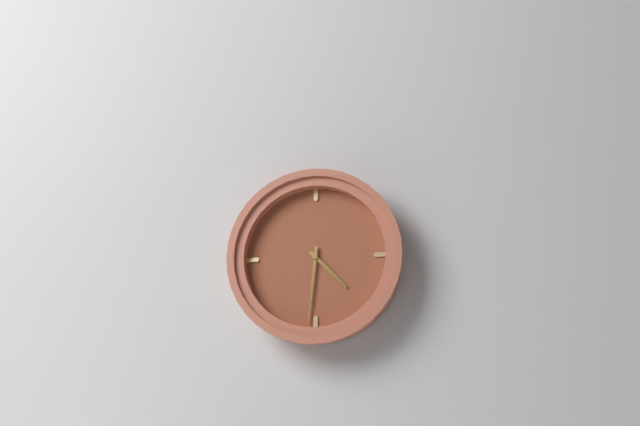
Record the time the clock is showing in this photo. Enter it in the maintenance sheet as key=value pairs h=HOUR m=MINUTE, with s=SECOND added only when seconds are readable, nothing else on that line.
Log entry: h=4 m=31
